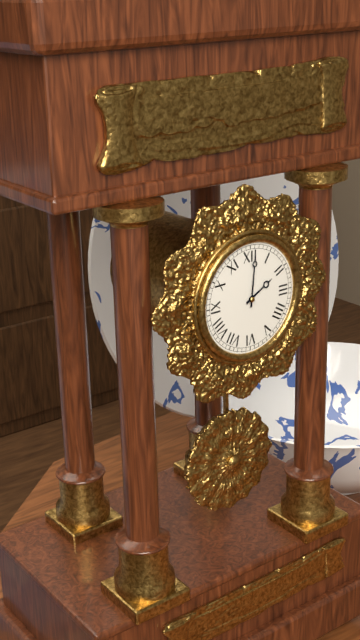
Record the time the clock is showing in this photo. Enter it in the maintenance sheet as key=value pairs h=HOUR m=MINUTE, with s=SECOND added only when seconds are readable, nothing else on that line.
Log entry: h=2 m=1
